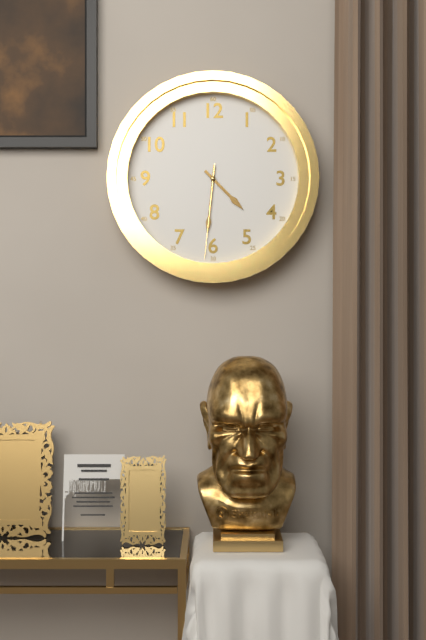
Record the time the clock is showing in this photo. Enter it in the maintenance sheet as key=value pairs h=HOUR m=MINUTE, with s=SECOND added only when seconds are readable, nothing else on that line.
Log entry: h=4 m=31 s=31
